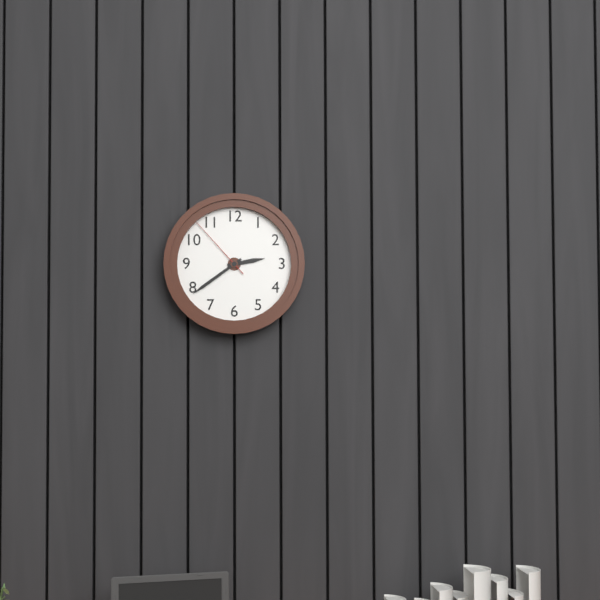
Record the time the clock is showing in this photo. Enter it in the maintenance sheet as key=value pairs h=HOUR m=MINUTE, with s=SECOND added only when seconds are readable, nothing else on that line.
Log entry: h=2 m=39 s=53
